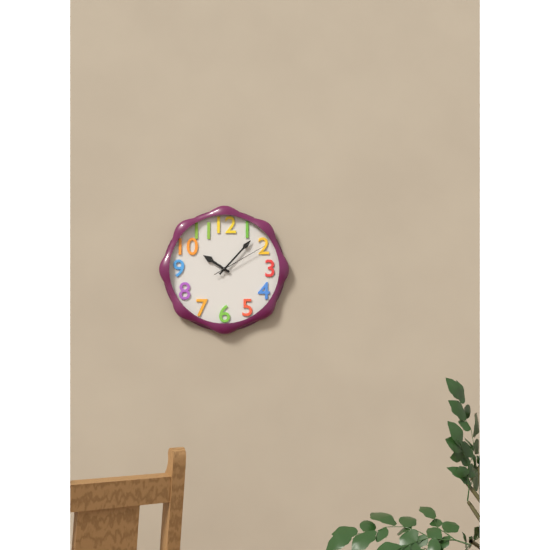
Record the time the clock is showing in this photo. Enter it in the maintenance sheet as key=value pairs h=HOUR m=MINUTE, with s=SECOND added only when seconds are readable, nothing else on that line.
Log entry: h=10 m=7 s=10
